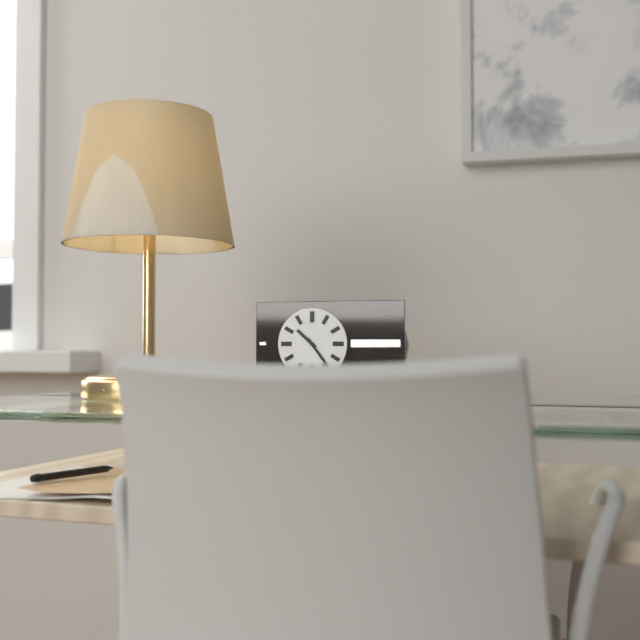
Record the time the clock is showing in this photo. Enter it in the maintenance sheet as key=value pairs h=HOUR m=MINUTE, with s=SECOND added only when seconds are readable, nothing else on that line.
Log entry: h=10 m=24
